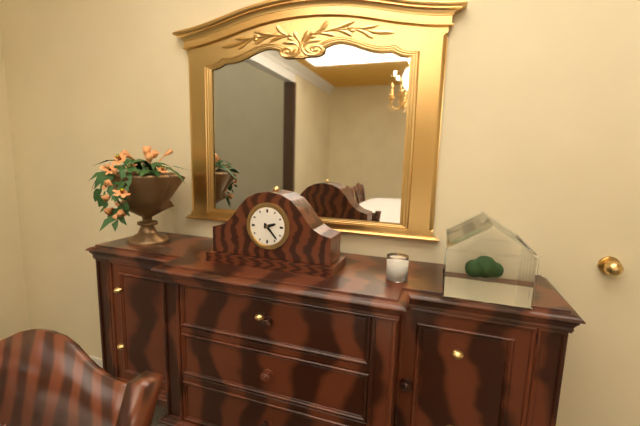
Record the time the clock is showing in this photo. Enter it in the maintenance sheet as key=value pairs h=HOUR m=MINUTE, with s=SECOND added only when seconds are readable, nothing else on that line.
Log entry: h=2 m=23
